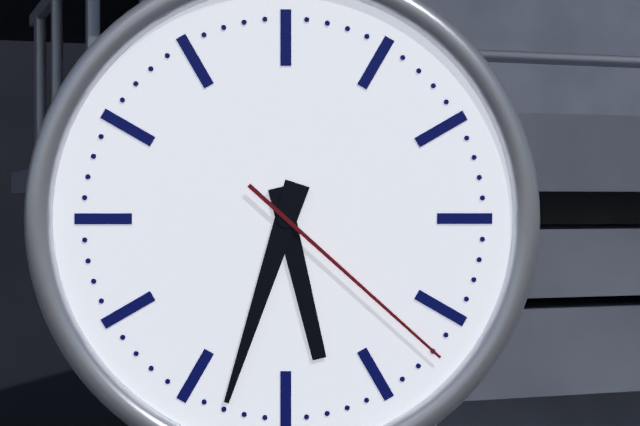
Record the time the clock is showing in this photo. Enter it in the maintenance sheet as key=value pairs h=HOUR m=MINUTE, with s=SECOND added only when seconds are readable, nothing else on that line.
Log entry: h=5 m=33 s=22
